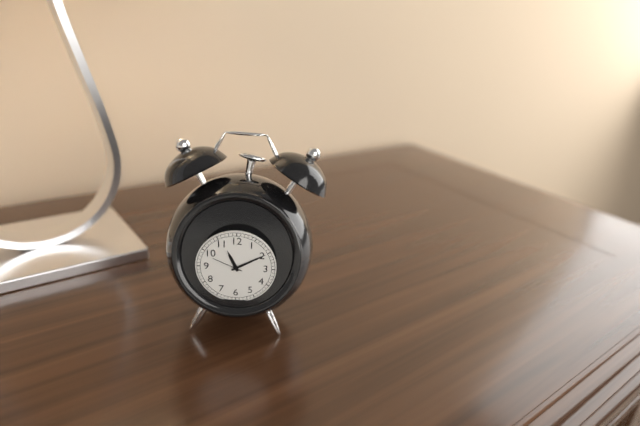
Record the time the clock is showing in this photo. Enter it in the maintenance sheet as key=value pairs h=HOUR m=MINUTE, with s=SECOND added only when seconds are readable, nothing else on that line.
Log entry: h=11 m=10
